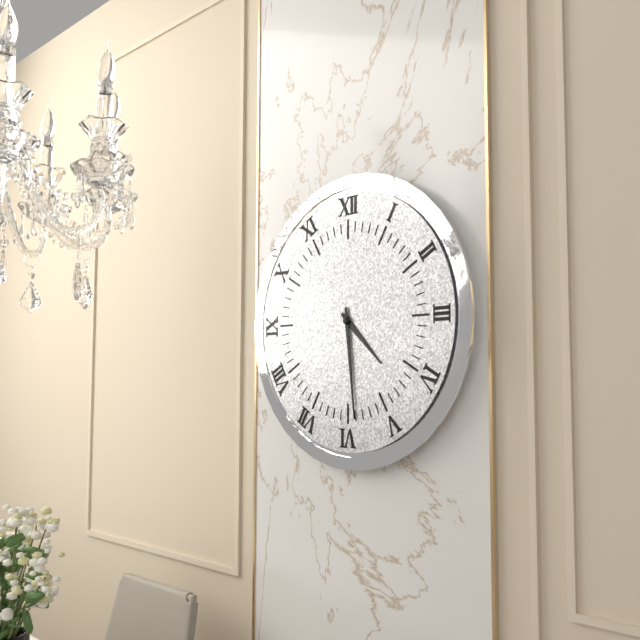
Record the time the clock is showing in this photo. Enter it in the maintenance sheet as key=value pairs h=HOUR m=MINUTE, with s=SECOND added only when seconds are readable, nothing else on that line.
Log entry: h=4 m=29
